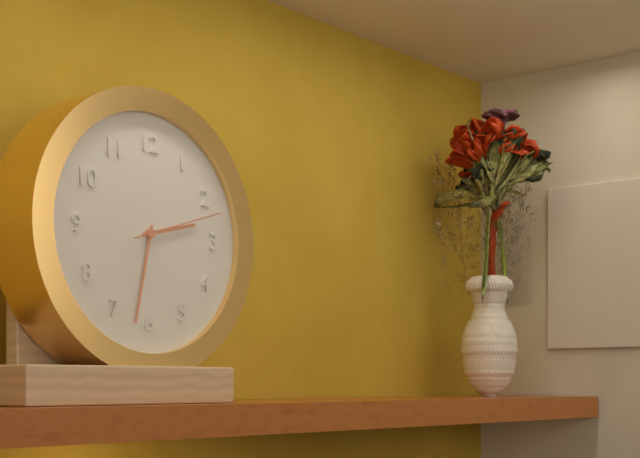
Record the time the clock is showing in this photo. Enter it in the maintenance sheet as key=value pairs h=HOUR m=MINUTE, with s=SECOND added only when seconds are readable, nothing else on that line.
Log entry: h=2 m=32 s=12
